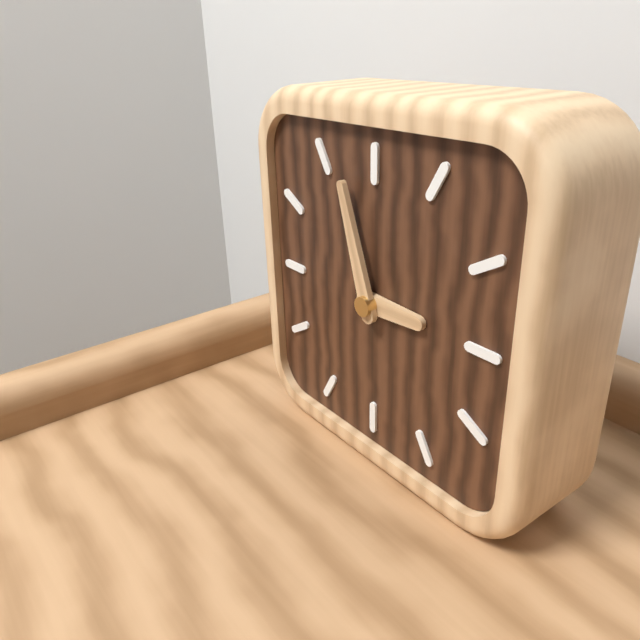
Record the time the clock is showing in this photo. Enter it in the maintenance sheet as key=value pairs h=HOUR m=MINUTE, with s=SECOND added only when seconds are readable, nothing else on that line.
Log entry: h=2 m=57
